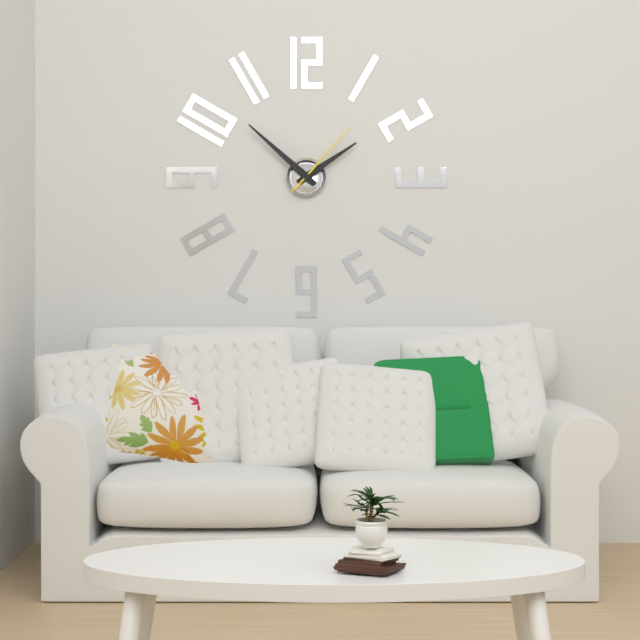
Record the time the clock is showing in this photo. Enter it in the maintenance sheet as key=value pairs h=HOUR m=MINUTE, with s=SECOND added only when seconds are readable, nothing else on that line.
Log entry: h=1 m=52 s=7
